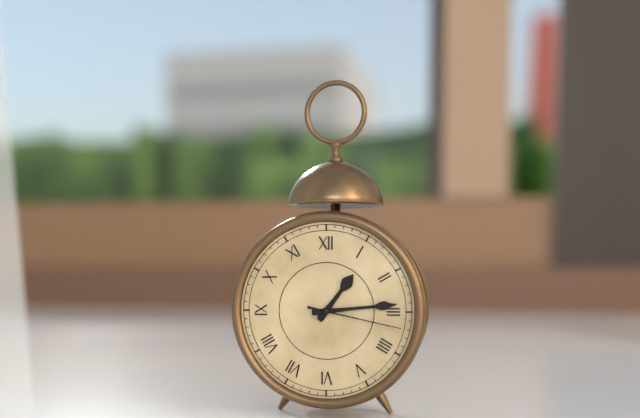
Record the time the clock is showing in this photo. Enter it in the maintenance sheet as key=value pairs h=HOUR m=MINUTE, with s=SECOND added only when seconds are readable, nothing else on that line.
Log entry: h=1 m=14 s=17
